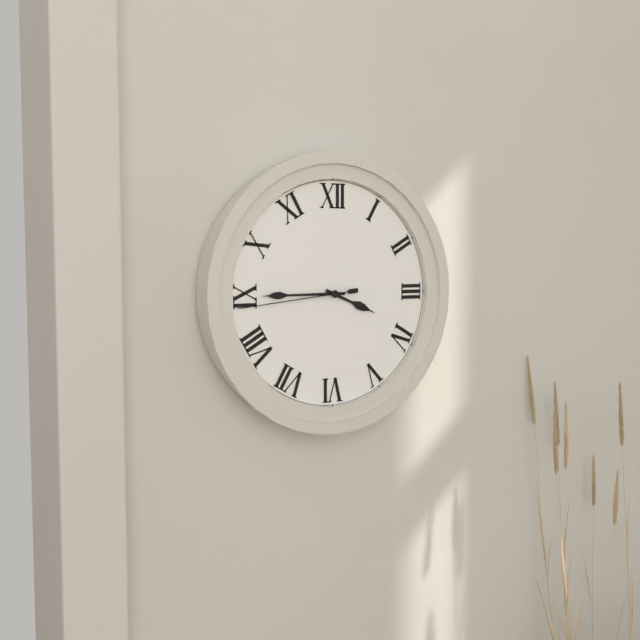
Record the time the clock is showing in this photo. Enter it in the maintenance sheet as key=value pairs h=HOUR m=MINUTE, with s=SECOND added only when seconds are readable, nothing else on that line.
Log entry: h=3 m=45 s=44
